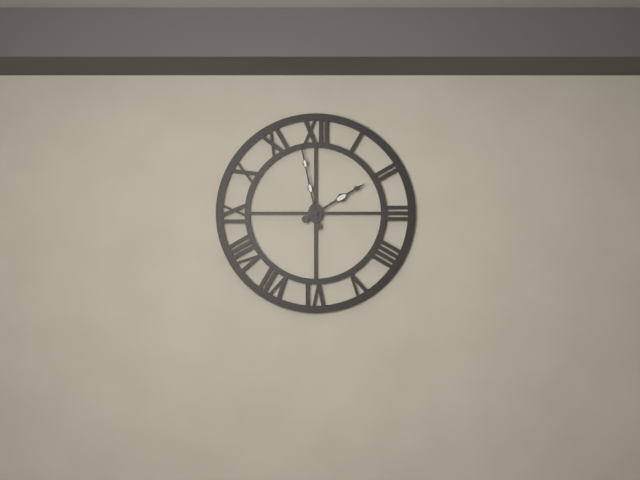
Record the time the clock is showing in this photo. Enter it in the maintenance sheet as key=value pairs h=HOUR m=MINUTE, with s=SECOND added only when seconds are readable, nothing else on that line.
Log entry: h=1 m=58
